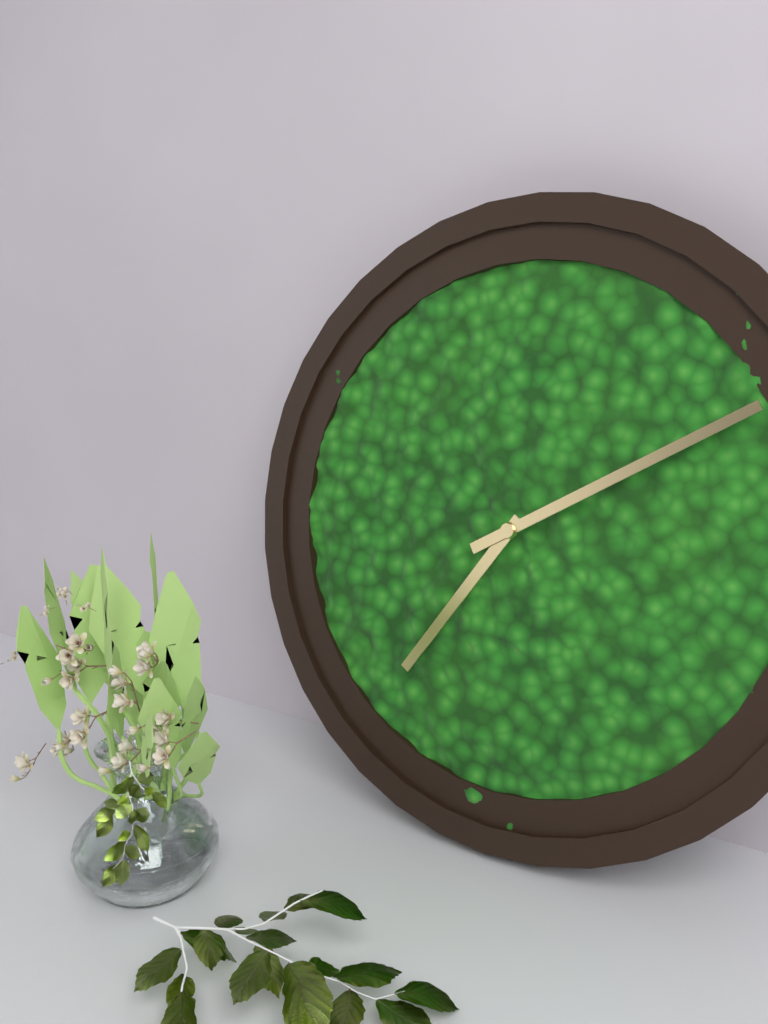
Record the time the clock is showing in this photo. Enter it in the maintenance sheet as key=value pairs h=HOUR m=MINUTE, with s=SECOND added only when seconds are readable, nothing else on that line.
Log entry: h=7 m=10
